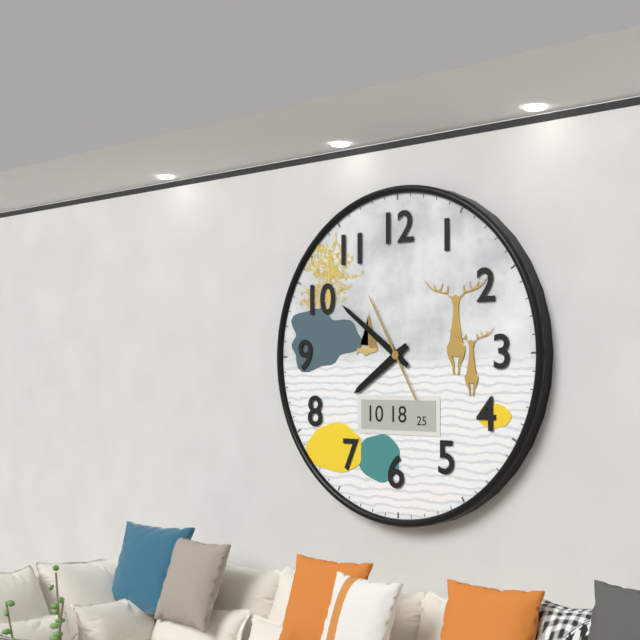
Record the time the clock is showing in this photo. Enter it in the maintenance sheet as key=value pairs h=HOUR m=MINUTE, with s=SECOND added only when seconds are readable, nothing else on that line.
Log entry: h=7 m=51 s=55
